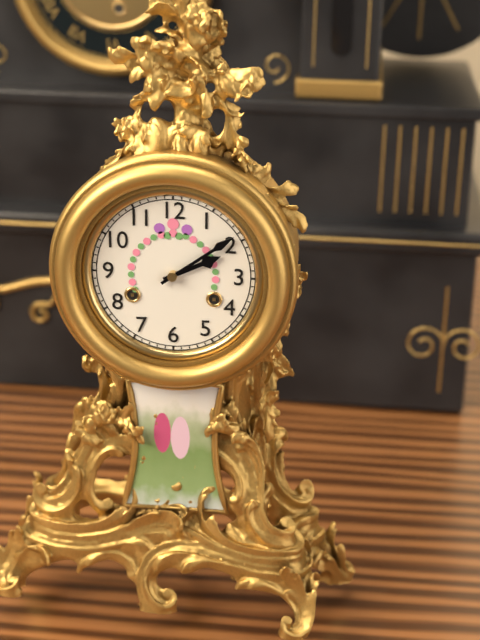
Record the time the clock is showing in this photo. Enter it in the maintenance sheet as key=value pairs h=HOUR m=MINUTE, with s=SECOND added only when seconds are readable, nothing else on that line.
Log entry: h=2 m=9
